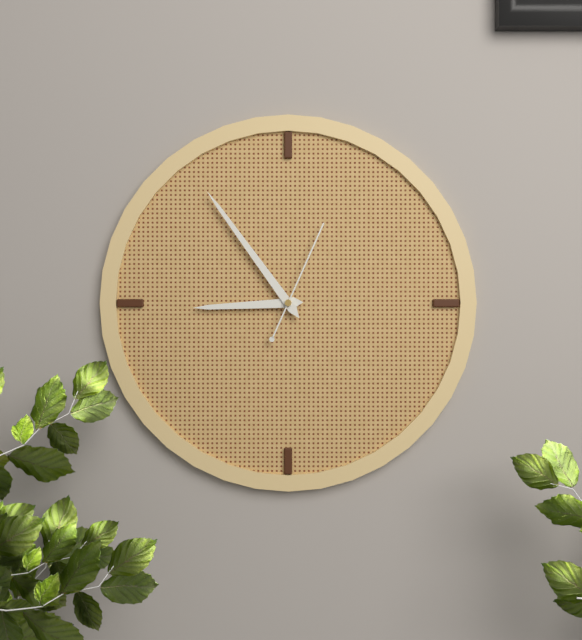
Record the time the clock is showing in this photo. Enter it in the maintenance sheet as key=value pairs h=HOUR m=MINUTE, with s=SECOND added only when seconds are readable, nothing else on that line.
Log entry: h=8 m=54 s=4
